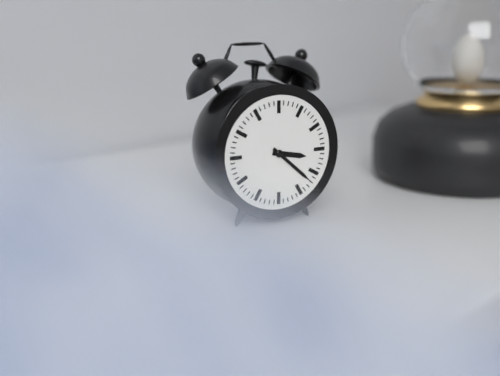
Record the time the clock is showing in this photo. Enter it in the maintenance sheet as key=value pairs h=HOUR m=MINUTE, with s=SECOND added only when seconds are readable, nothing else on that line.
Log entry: h=3 m=22
